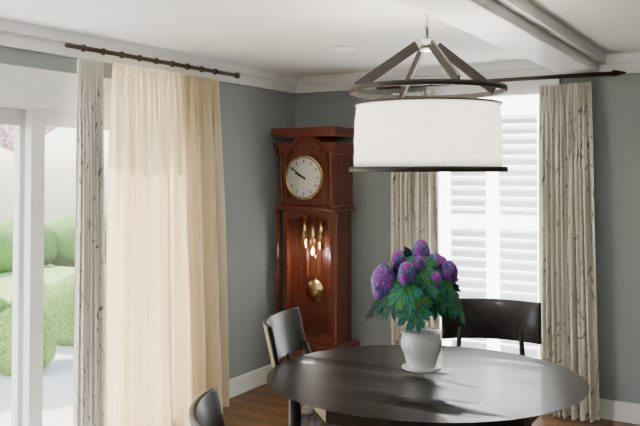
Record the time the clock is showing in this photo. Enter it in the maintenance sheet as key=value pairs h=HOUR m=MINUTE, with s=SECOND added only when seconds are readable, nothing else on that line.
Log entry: h=9 m=51
